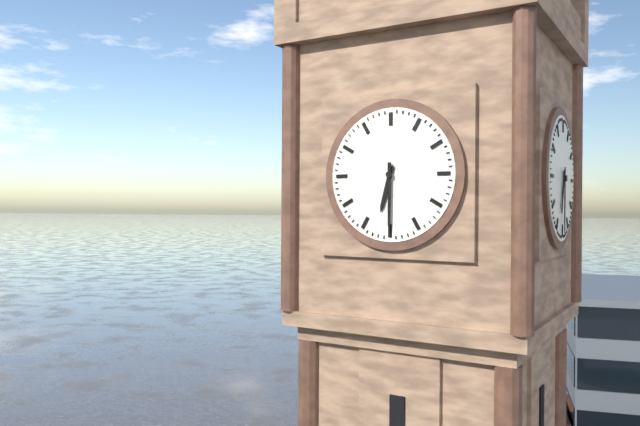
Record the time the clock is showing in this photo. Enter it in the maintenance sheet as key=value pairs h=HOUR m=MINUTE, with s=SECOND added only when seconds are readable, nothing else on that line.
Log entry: h=6 m=30
